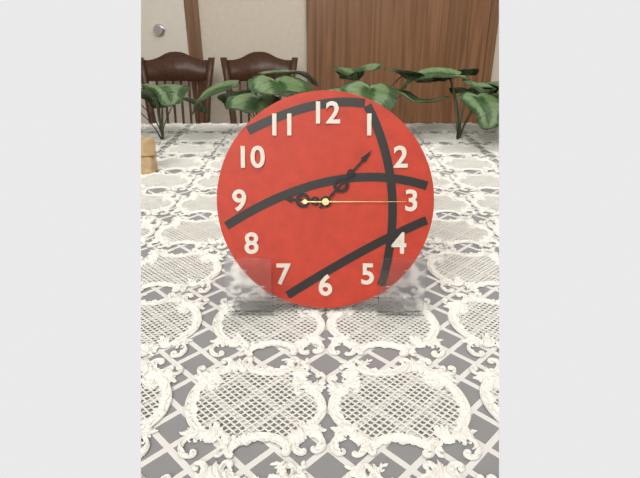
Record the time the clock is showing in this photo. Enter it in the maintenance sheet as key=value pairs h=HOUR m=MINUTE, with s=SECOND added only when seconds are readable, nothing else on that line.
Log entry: h=9 m=7 s=15
